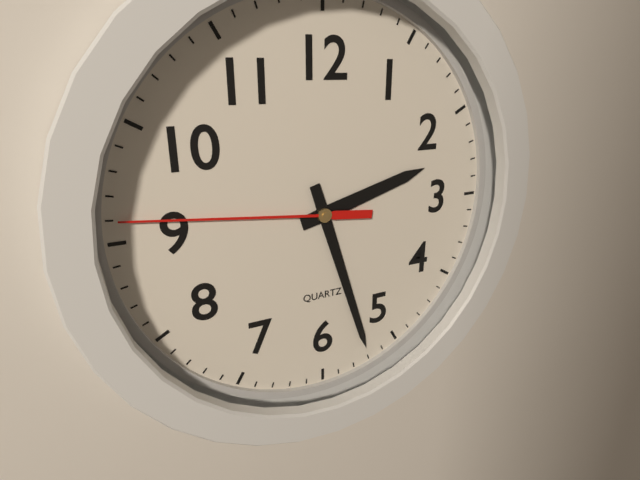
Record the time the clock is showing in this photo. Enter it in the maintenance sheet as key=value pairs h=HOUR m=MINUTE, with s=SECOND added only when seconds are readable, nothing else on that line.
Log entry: h=2 m=27 s=46
